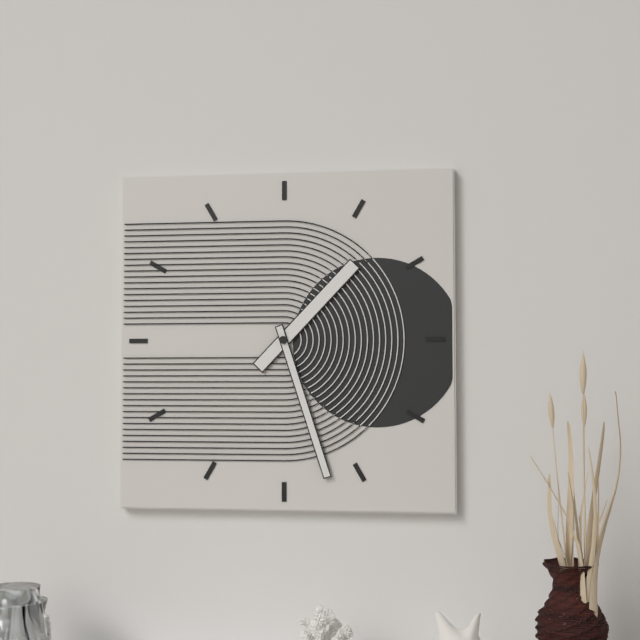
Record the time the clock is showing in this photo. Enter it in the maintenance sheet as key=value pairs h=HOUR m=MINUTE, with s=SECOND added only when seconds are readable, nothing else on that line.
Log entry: h=1 m=27
